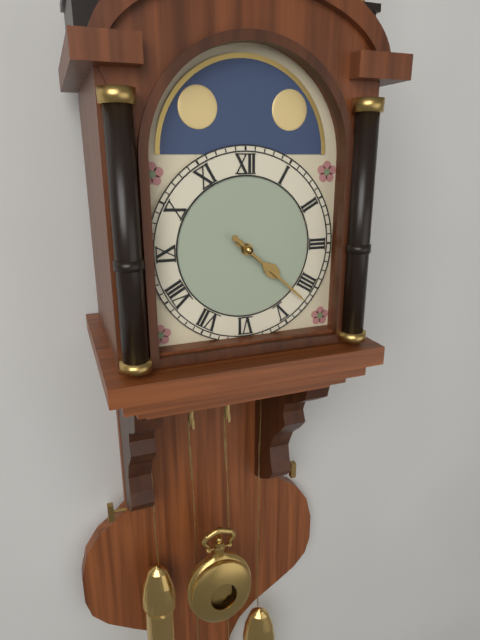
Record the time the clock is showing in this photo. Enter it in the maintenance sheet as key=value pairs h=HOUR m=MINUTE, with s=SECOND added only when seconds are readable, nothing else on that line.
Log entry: h=4 m=22
